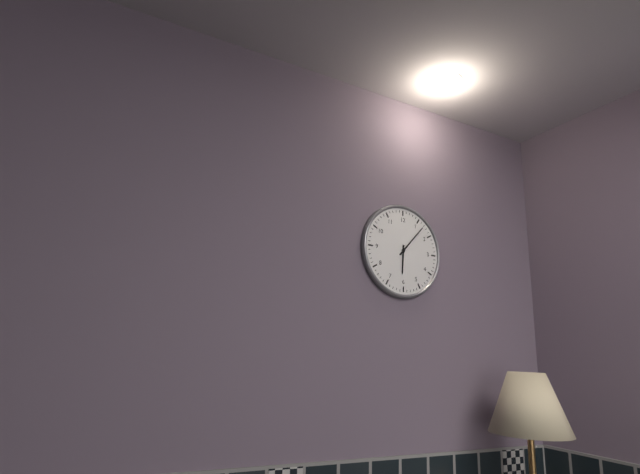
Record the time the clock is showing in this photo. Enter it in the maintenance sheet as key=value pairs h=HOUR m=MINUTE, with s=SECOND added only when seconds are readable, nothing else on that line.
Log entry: h=6 m=7
